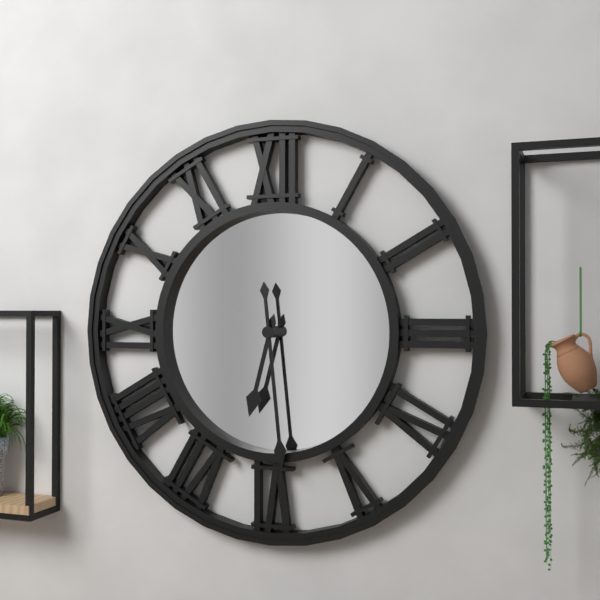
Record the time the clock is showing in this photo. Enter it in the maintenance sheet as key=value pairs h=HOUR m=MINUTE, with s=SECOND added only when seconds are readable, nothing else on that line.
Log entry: h=6 m=29
